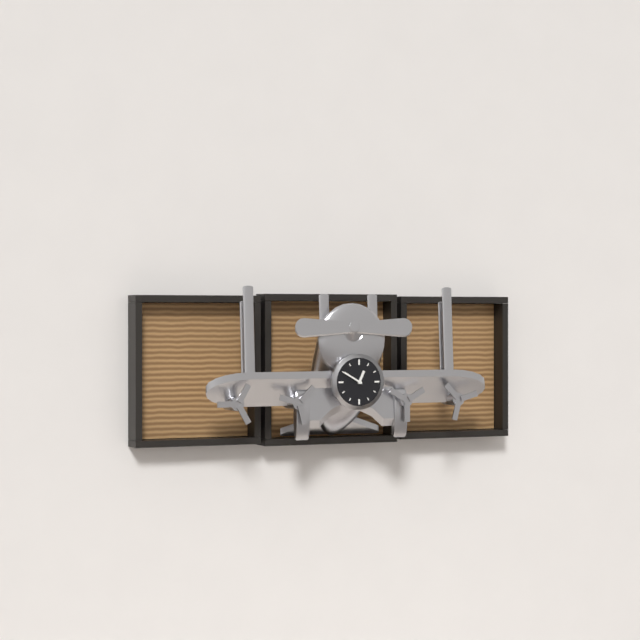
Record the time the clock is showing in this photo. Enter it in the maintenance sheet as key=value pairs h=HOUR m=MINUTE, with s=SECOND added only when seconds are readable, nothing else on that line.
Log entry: h=12 m=50
